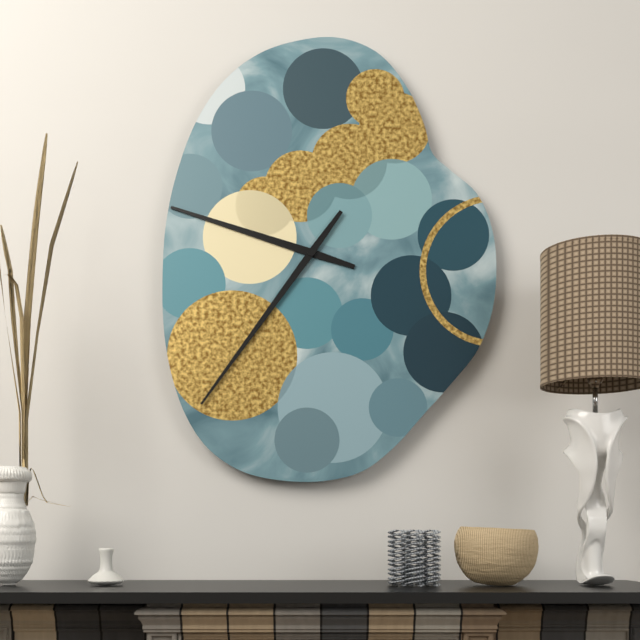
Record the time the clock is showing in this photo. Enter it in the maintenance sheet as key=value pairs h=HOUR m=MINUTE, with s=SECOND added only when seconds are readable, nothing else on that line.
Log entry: h=9 m=36
